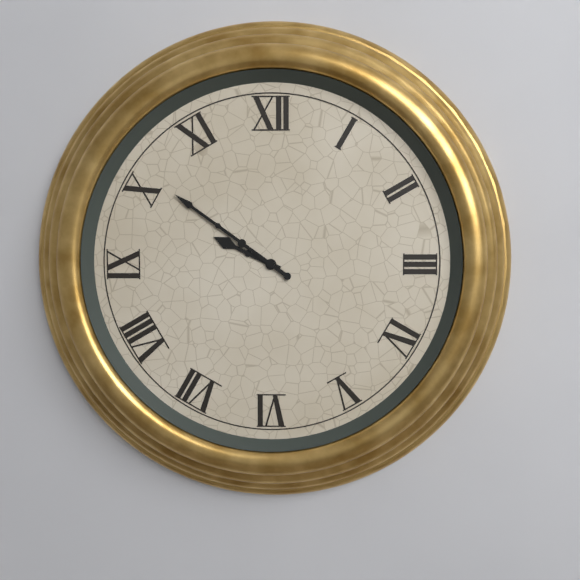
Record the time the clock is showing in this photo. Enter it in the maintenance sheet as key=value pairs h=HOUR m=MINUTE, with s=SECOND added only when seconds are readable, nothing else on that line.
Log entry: h=9 m=51
